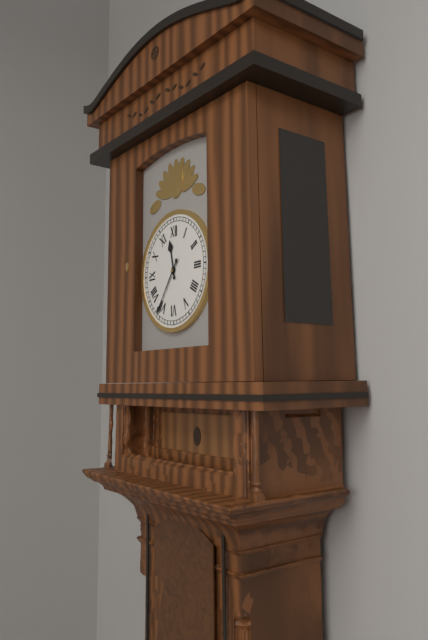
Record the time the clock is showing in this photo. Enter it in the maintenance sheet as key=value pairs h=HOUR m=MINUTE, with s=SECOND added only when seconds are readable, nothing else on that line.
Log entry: h=11 m=36
